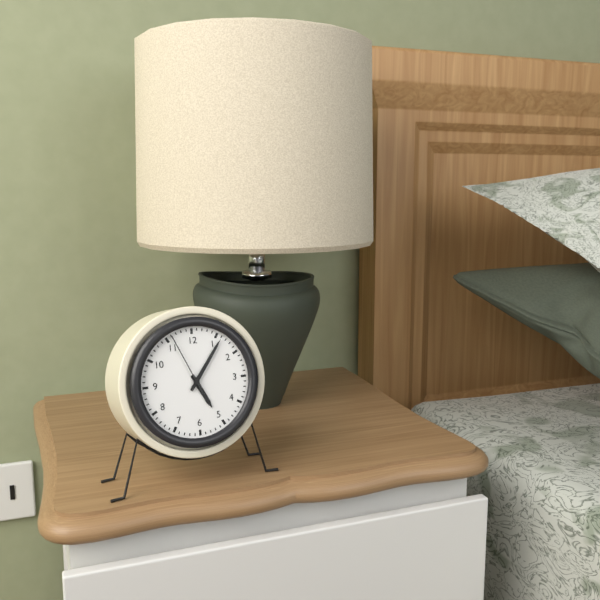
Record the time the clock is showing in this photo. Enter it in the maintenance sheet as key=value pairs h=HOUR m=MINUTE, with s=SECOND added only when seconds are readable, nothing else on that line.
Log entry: h=5 m=6 s=56
